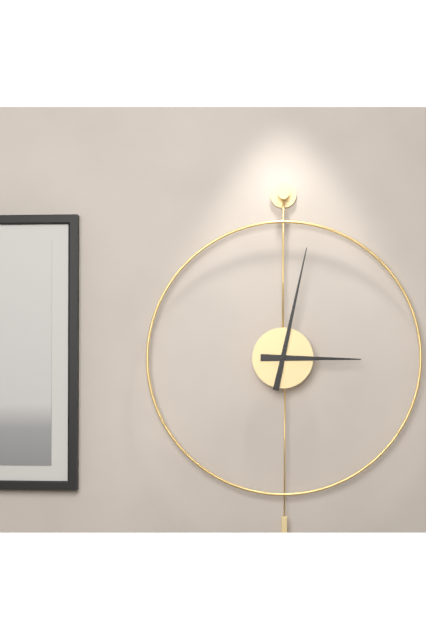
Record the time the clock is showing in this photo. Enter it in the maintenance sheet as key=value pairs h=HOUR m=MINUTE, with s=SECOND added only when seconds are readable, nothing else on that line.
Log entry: h=3 m=2
